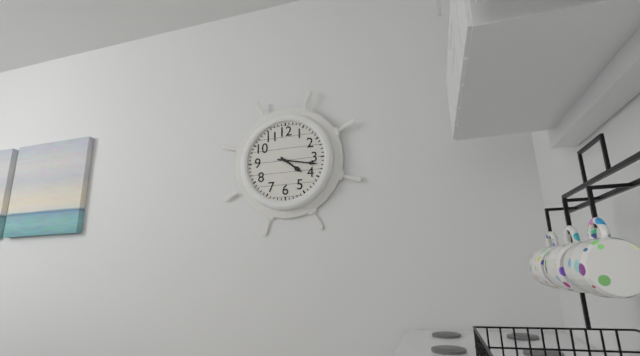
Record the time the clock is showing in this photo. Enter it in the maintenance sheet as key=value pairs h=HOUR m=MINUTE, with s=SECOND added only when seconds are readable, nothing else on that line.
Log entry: h=4 m=17
